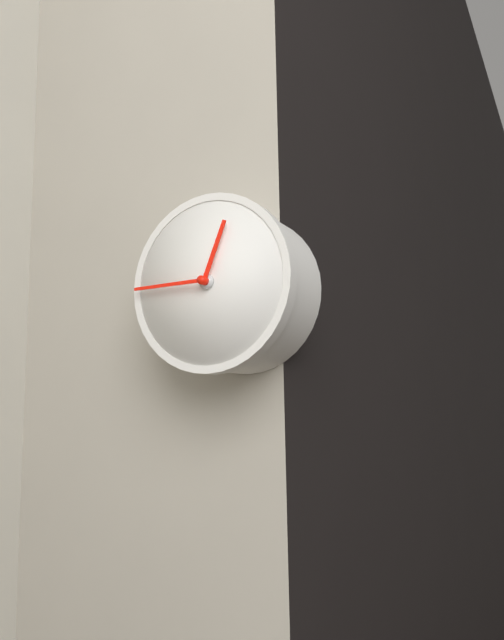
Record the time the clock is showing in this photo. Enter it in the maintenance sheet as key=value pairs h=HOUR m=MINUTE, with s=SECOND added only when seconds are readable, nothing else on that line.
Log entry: h=12 m=45
